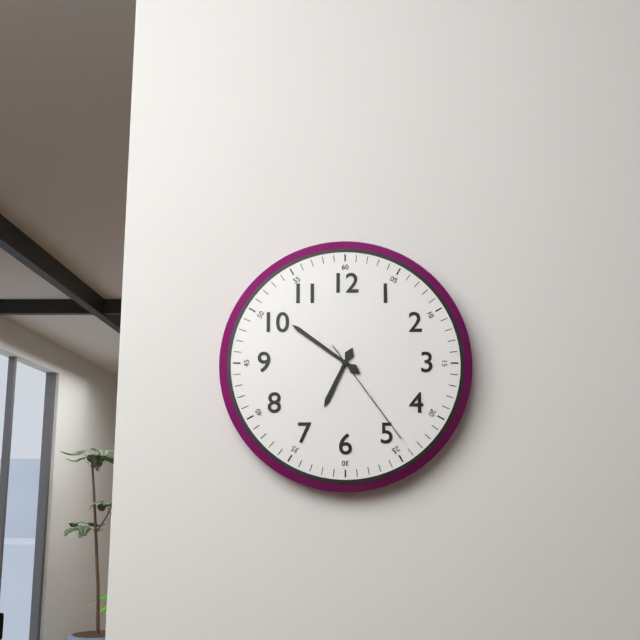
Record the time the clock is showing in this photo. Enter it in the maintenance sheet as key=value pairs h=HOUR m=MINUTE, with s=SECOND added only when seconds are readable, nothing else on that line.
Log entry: h=6 m=51 s=24
